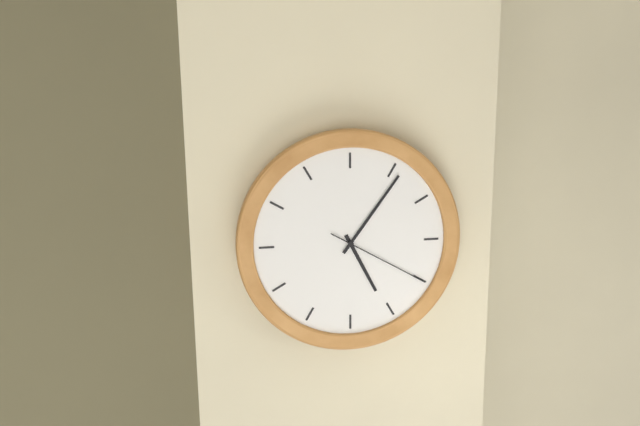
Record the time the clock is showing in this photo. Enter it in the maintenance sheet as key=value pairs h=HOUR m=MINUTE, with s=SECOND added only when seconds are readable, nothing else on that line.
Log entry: h=5 m=6 s=20
